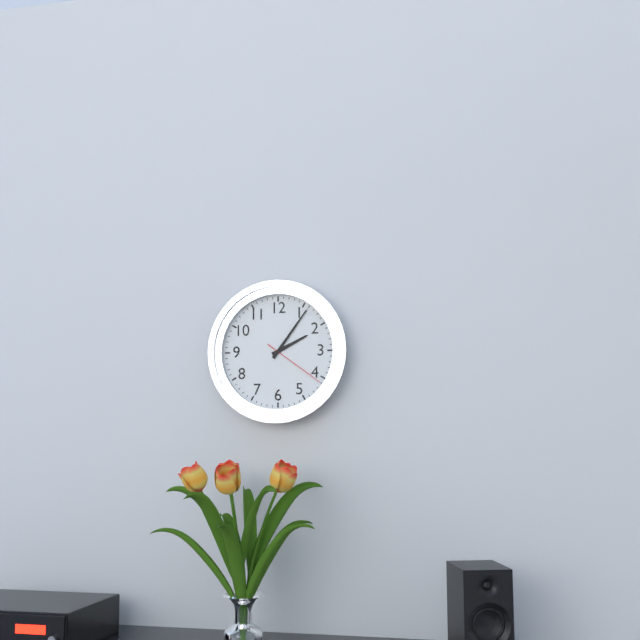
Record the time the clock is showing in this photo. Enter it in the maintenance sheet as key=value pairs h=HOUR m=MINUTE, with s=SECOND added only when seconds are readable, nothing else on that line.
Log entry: h=2 m=6 s=21
